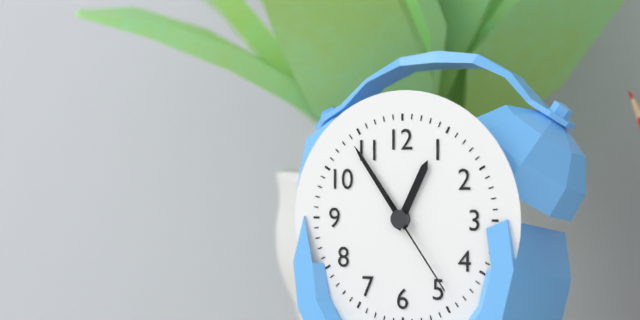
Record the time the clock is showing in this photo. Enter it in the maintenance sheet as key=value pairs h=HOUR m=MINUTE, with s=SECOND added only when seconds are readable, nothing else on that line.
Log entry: h=12 m=54 s=24
